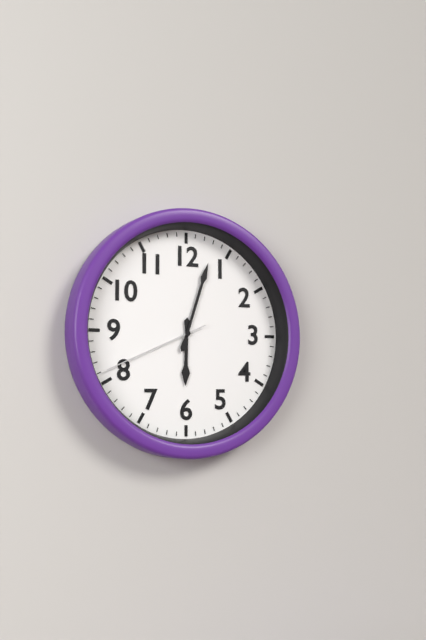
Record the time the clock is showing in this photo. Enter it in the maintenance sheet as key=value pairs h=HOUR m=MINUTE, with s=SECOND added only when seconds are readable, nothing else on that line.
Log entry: h=6 m=3 s=41
